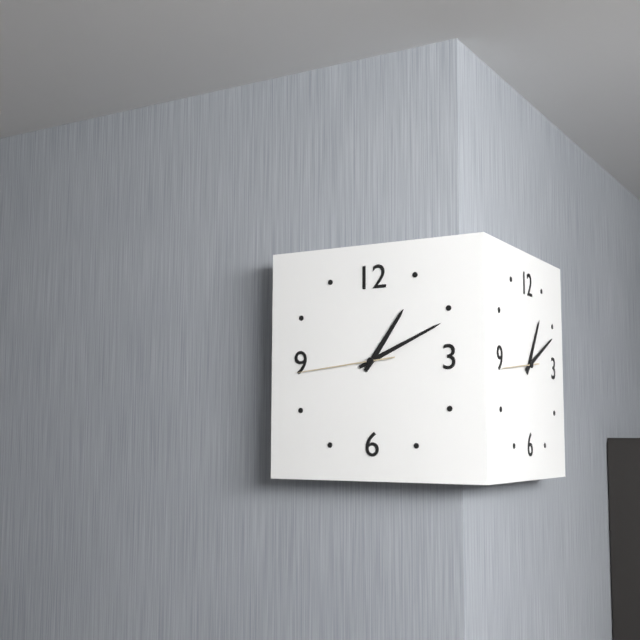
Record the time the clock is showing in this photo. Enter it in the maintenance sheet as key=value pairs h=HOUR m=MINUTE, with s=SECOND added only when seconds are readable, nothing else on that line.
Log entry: h=1 m=11 s=44
